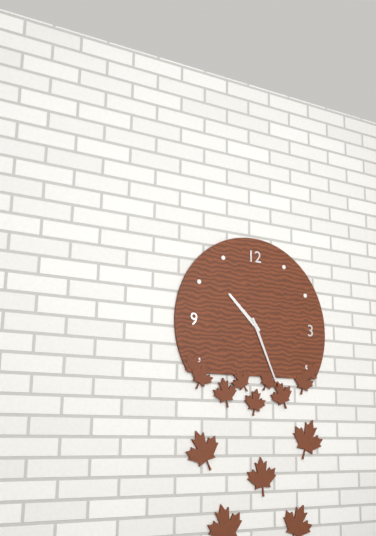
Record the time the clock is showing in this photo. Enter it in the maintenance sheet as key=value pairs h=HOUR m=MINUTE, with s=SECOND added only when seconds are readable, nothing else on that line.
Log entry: h=10 m=26
